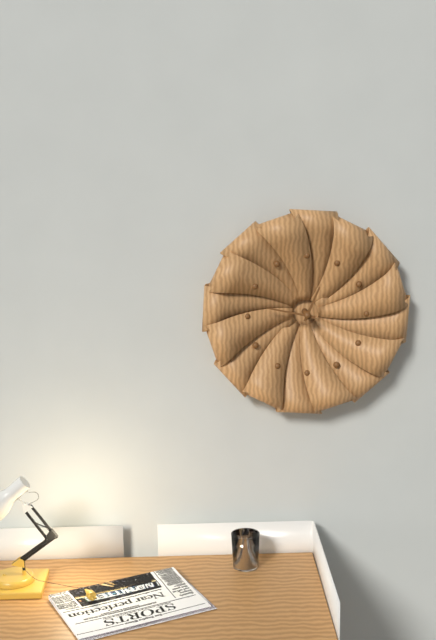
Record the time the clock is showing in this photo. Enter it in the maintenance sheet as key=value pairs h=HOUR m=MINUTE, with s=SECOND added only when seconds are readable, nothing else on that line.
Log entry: h=12 m=47
